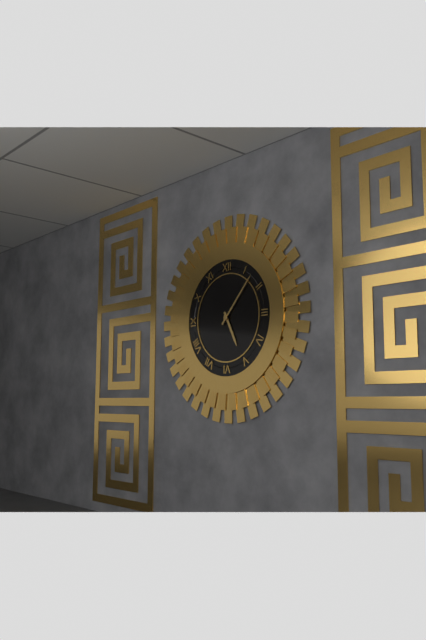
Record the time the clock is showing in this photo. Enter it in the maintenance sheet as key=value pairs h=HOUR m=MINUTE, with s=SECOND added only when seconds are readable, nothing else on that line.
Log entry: h=5 m=7
